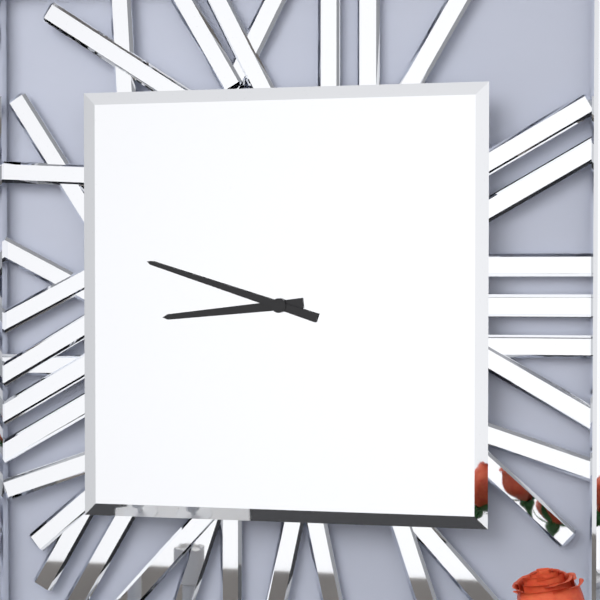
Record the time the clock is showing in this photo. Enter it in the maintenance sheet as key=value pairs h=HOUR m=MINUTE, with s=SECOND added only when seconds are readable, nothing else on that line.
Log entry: h=8 m=48
